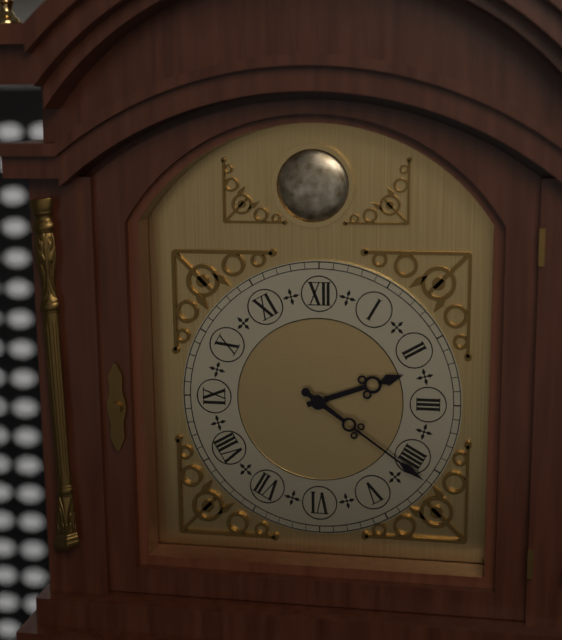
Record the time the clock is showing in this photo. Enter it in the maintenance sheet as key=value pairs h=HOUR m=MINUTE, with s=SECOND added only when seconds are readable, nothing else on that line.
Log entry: h=2 m=21
